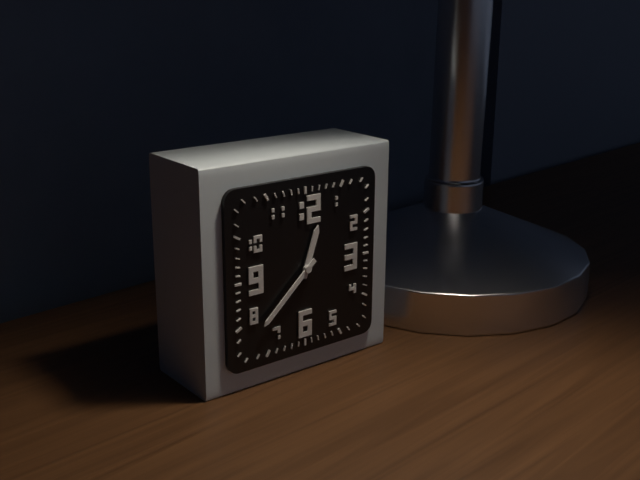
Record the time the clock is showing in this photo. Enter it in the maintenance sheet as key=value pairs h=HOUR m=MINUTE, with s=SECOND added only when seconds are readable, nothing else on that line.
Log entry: h=12 m=38
